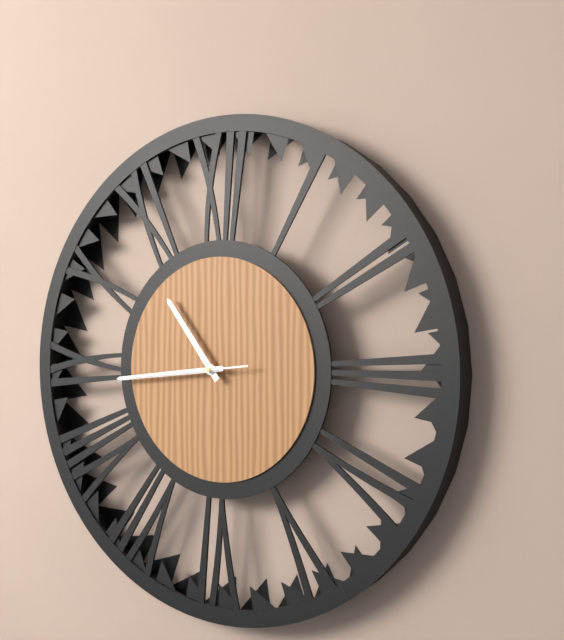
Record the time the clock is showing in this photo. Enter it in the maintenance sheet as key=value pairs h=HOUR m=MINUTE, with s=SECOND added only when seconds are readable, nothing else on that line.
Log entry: h=10 m=44 s=44
